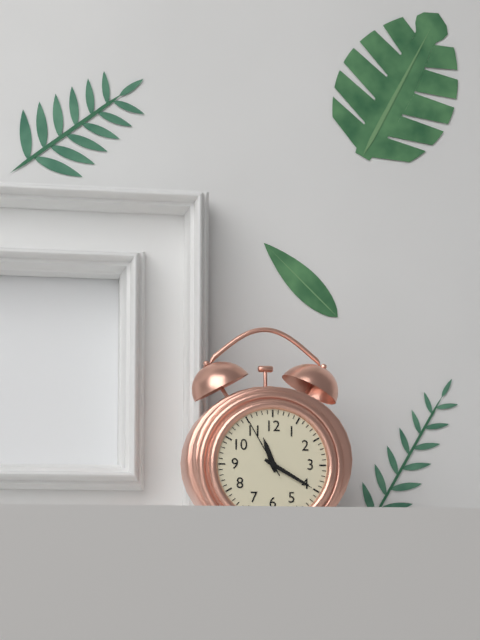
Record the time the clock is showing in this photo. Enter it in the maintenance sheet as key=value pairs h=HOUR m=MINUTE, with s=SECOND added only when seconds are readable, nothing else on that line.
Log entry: h=11 m=20 s=55
